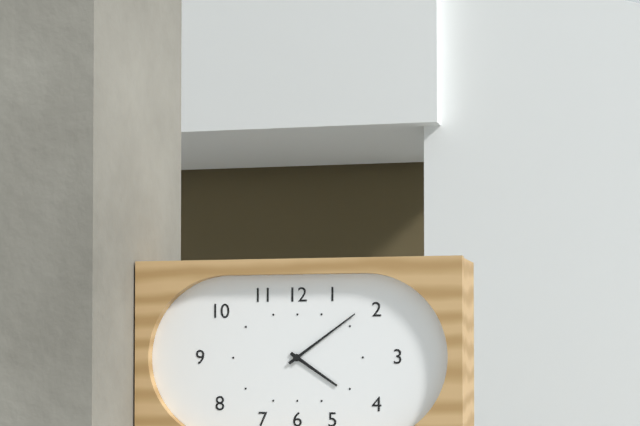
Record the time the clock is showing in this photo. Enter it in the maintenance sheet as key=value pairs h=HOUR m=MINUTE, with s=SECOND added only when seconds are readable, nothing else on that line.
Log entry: h=4 m=9
